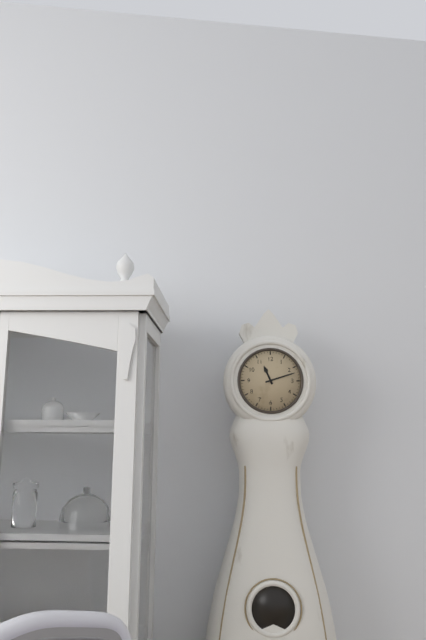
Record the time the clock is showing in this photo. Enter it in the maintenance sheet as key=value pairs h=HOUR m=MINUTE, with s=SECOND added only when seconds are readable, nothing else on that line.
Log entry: h=11 m=12
